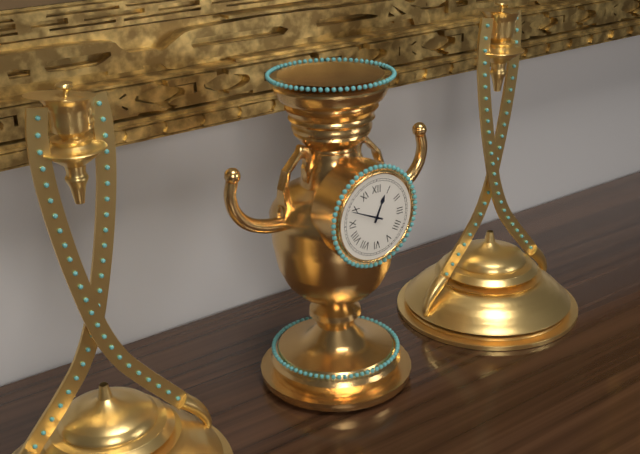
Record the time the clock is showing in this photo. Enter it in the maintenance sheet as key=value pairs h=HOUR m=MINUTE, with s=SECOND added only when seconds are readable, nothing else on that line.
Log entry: h=12 m=49
